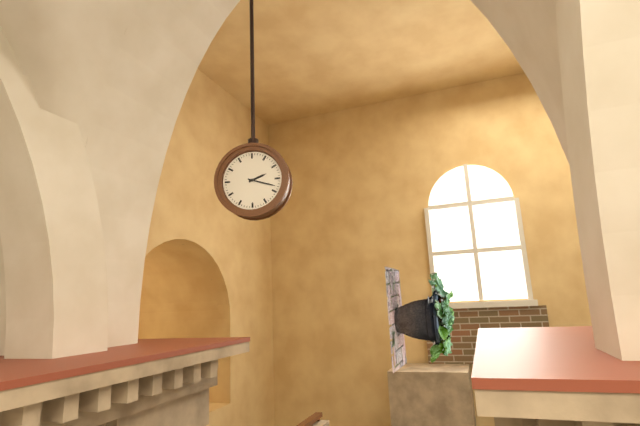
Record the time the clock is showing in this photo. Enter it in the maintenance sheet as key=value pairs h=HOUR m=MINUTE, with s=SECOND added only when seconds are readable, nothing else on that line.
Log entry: h=2 m=18
